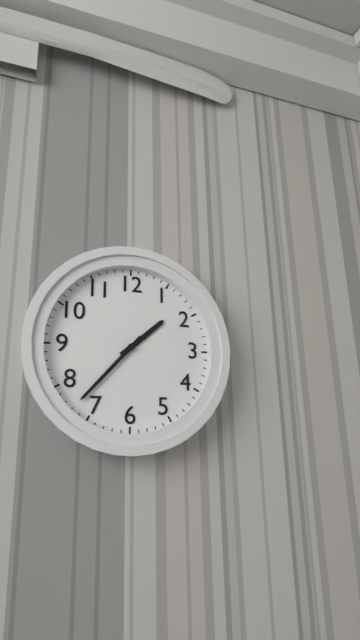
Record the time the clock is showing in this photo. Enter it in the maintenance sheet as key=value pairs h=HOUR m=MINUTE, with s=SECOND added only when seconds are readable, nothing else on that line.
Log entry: h=1 m=37
